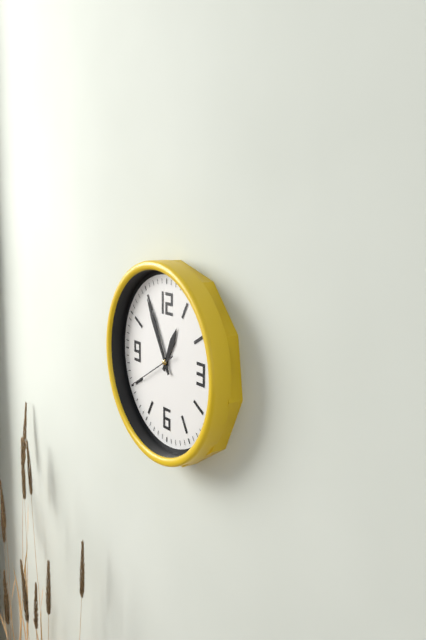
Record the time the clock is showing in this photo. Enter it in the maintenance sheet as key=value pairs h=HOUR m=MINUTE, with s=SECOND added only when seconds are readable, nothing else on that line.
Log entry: h=12 m=55 s=40
